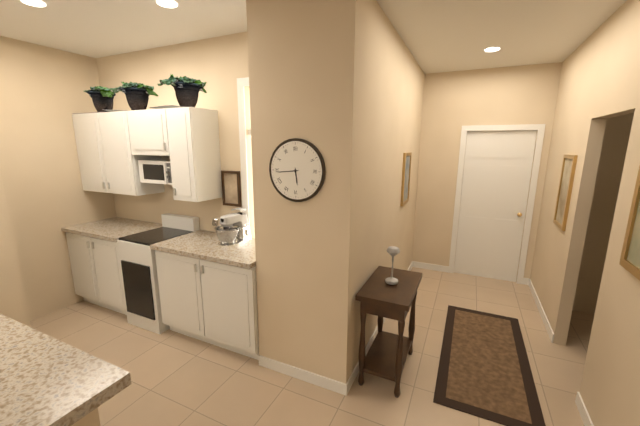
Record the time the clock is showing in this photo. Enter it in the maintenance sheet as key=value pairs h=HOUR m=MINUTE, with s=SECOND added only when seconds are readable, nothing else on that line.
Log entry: h=5 m=44
